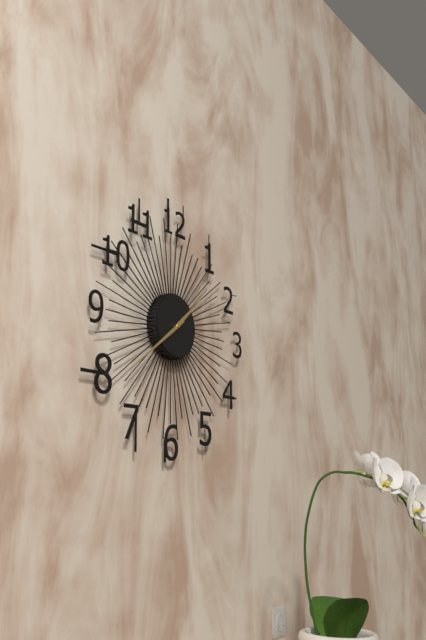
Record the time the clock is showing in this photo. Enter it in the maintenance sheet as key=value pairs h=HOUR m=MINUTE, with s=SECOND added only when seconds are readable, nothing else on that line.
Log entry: h=1 m=39
